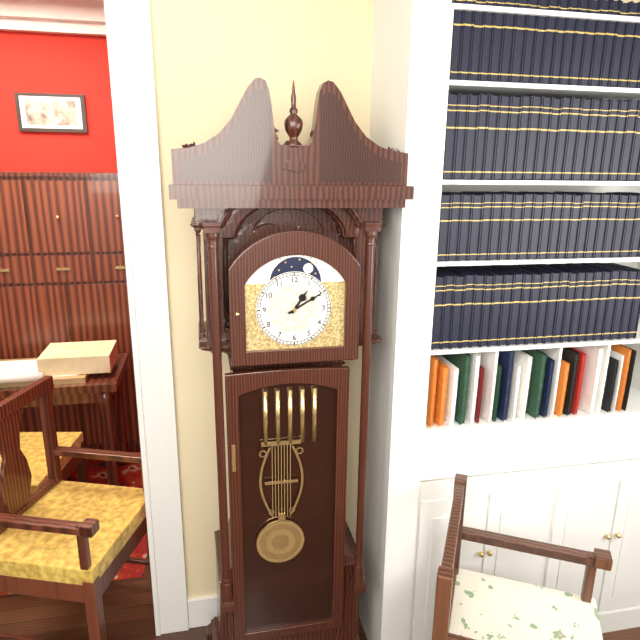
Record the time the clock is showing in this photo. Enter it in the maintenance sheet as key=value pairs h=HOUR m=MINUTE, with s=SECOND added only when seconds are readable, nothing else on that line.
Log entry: h=1 m=10
